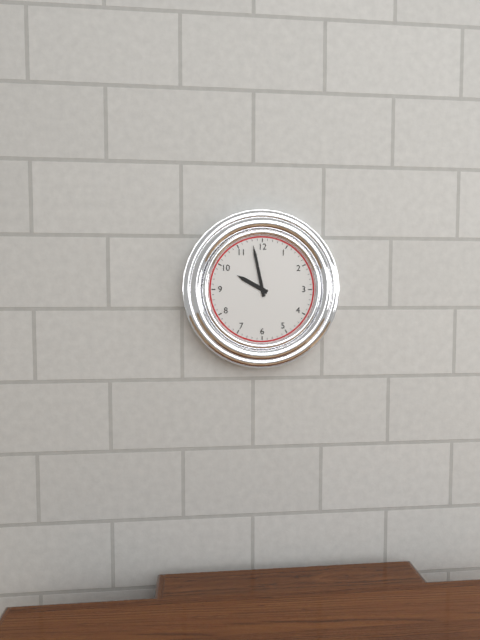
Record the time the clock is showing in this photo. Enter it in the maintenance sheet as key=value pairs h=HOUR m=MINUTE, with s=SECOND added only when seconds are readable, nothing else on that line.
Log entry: h=9 m=58
